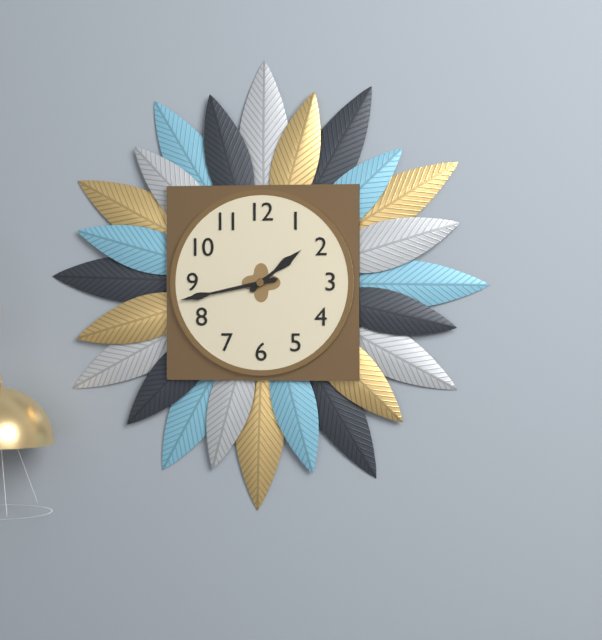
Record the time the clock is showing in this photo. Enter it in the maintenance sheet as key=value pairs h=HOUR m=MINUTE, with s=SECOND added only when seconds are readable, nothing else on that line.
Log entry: h=1 m=43
